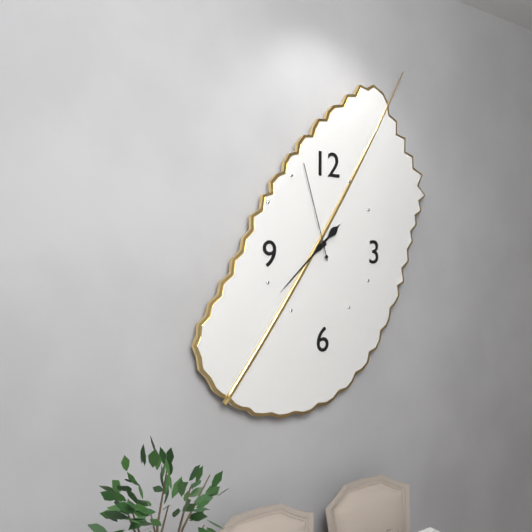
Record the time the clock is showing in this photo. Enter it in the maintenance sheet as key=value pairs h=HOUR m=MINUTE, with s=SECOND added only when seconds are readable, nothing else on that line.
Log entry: h=1 m=38 s=57
